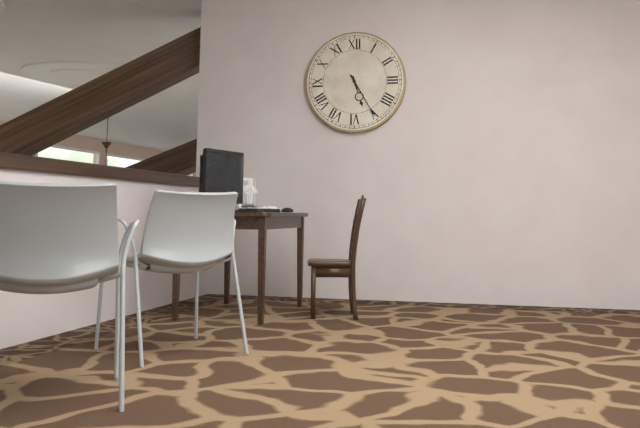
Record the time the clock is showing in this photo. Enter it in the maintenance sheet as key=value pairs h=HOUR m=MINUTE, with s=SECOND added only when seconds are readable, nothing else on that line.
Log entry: h=5 m=25
